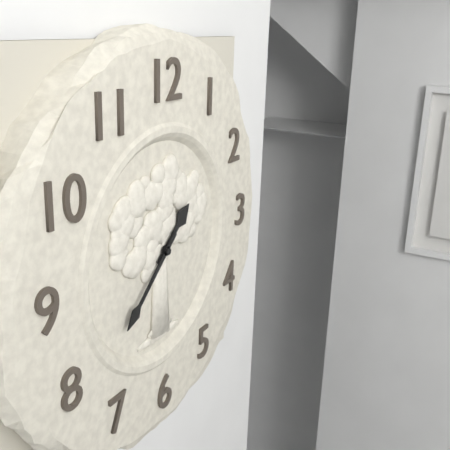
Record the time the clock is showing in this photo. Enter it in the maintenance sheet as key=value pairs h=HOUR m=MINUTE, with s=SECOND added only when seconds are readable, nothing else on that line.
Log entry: h=1 m=38
